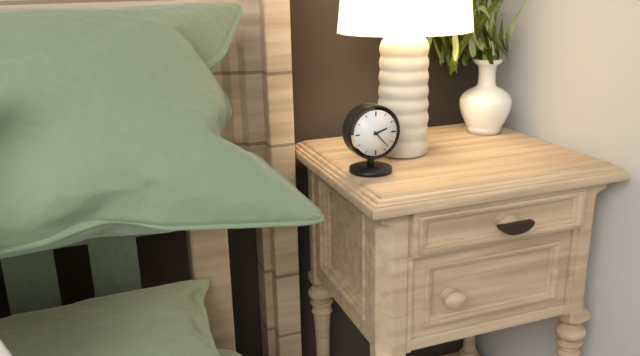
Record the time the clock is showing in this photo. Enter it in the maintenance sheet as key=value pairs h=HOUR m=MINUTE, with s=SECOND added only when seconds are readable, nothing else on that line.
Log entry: h=2 m=23
